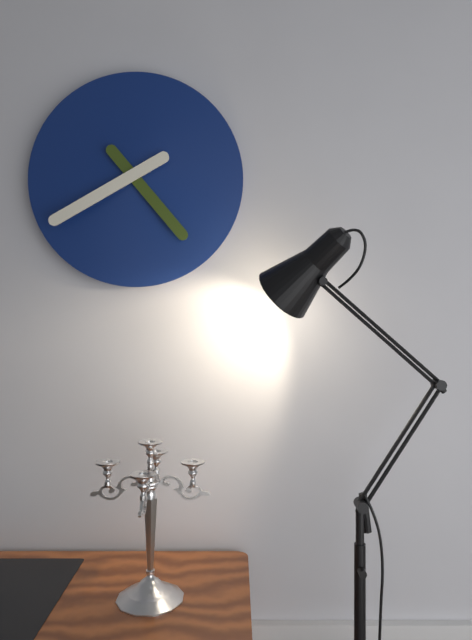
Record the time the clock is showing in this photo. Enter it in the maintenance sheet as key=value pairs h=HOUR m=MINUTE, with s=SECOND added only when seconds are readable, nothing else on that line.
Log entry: h=4 m=40
